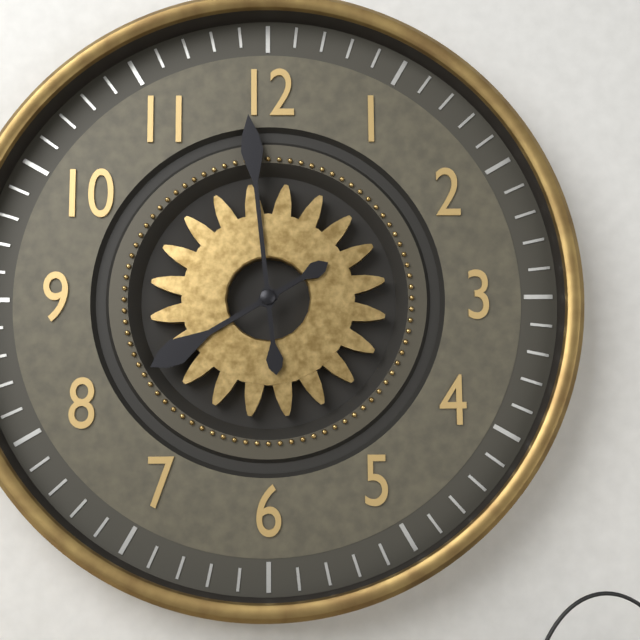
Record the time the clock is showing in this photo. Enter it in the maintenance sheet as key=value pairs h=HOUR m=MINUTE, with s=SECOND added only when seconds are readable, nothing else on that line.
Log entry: h=7 m=59
